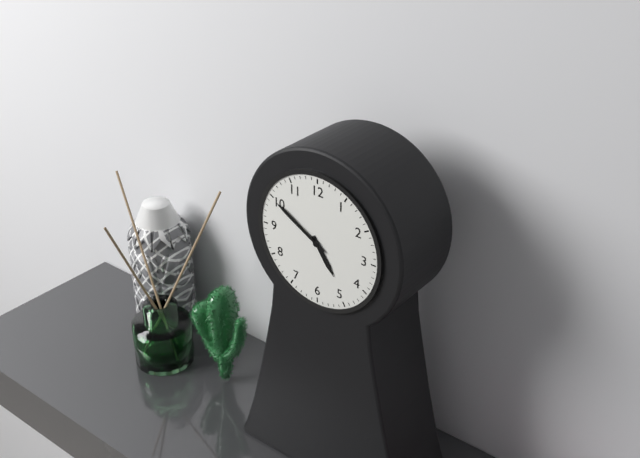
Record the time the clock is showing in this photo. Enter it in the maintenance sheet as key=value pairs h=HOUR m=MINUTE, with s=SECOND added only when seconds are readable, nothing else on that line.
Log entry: h=4 m=50
